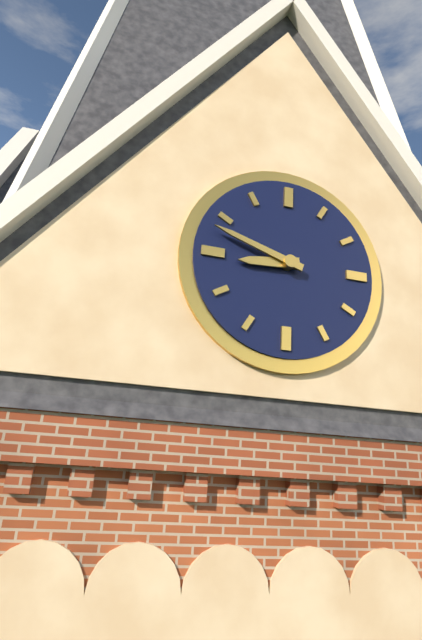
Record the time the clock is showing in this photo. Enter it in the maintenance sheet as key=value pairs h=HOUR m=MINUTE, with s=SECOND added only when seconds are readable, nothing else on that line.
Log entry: h=8 m=48
